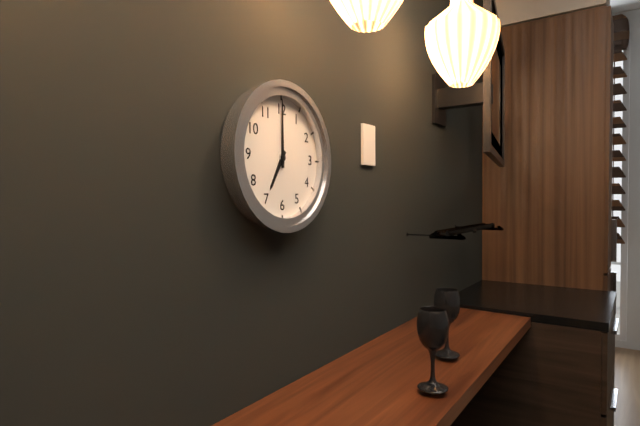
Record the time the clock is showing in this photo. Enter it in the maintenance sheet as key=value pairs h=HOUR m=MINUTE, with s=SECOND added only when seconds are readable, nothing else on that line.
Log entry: h=7 m=0
